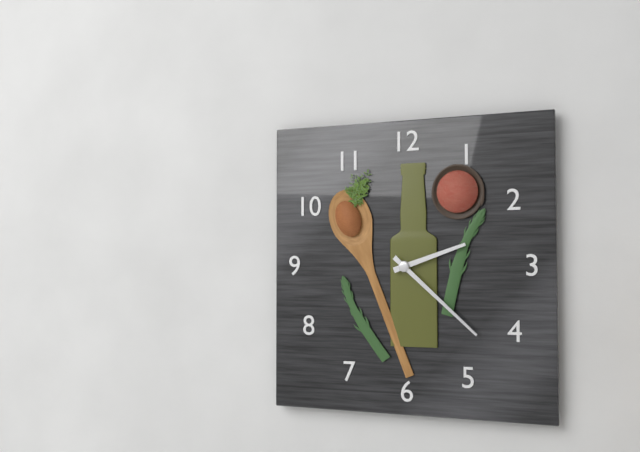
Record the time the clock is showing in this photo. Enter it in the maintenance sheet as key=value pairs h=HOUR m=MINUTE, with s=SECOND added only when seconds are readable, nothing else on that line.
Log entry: h=2 m=22
